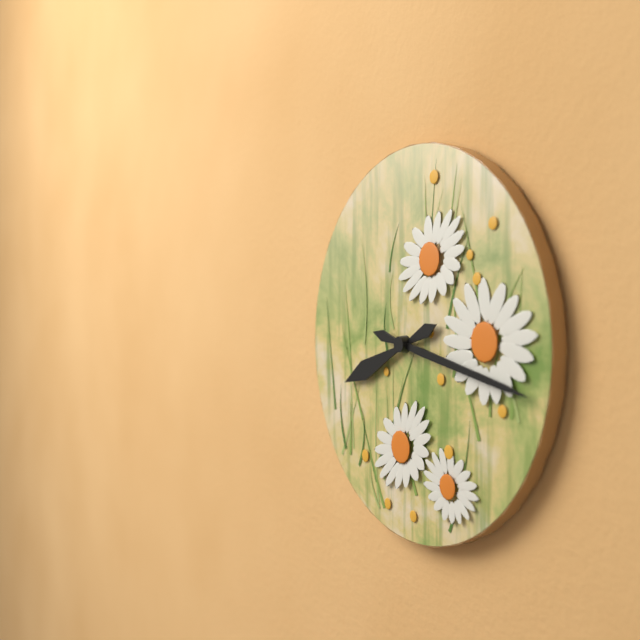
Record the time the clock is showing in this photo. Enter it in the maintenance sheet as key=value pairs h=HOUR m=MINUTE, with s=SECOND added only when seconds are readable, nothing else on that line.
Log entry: h=8 m=17
